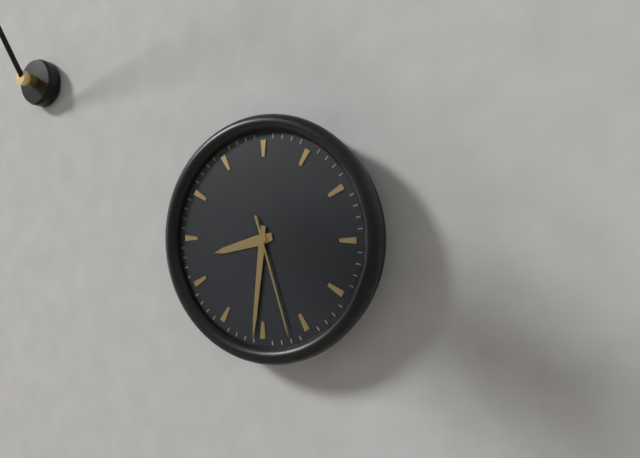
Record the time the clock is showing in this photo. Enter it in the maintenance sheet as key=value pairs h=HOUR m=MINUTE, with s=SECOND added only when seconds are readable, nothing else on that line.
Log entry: h=8 m=31 s=27
